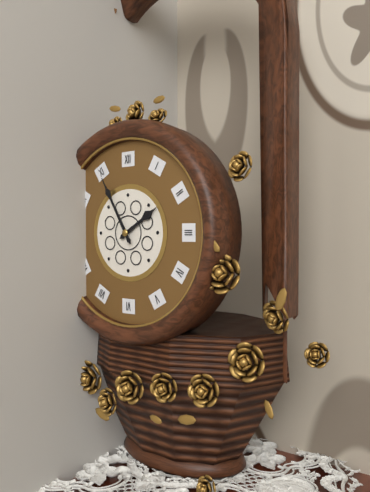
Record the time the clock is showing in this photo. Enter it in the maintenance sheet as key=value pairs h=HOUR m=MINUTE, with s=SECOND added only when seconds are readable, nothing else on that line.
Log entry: h=1 m=55
